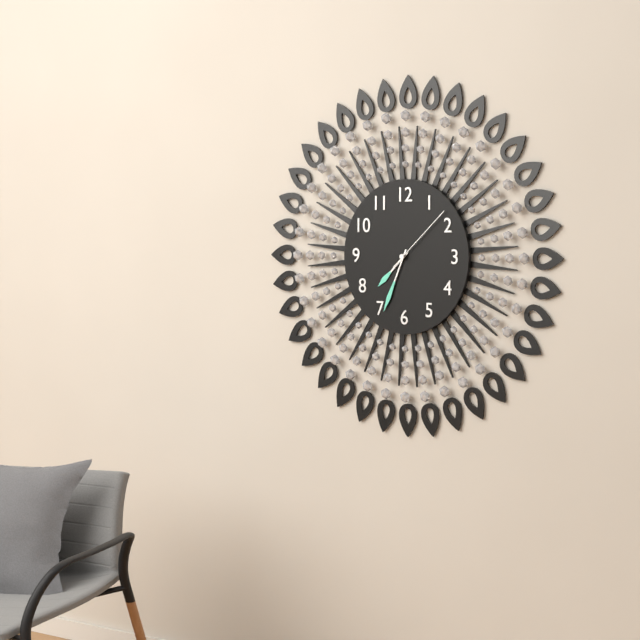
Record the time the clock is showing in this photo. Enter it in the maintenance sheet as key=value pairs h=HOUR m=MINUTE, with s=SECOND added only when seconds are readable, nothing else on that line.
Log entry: h=7 m=34 s=8
